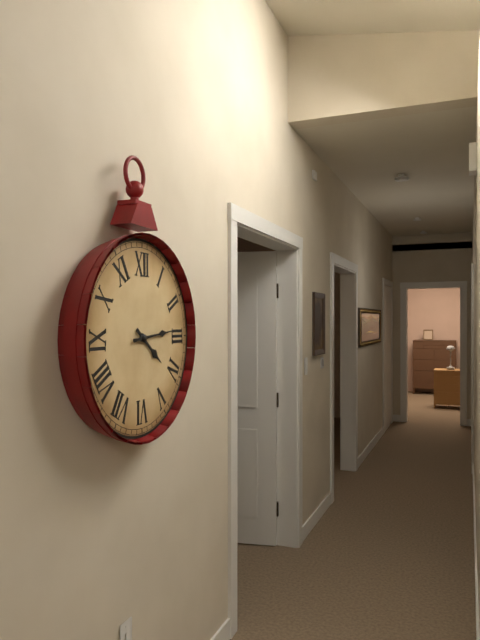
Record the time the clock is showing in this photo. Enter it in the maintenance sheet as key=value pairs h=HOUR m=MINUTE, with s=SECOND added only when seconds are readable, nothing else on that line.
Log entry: h=4 m=14
